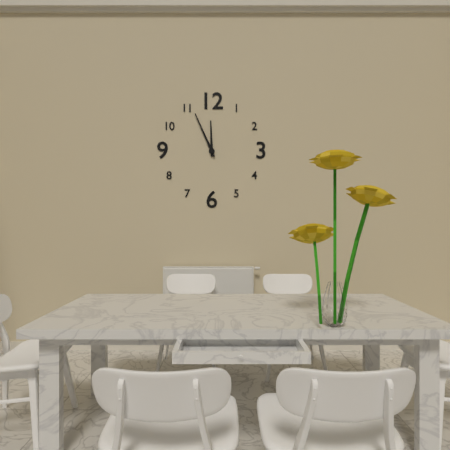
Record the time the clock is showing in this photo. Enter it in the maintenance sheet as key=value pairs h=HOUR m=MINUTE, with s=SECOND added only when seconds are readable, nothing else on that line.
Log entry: h=11 m=56
